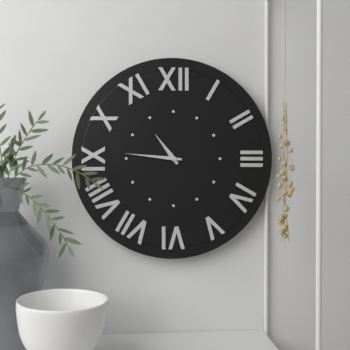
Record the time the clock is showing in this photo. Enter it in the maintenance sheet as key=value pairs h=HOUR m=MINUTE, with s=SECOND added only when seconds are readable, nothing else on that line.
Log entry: h=10 m=46
